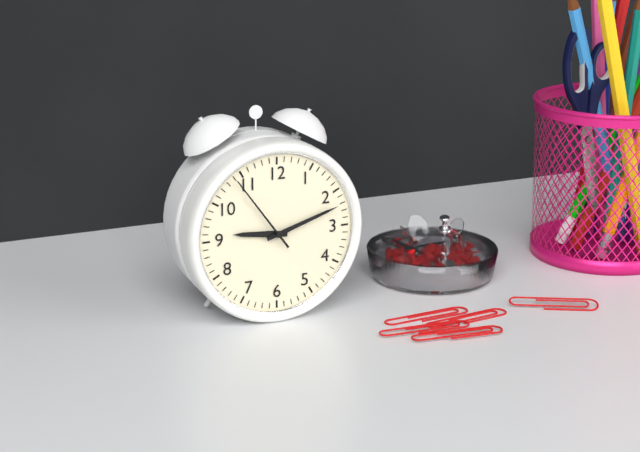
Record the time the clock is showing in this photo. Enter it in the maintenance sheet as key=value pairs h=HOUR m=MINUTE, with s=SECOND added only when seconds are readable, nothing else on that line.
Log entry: h=9 m=12 s=54
